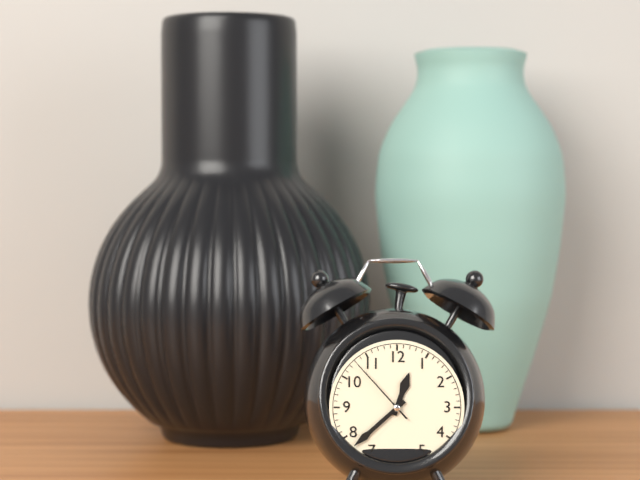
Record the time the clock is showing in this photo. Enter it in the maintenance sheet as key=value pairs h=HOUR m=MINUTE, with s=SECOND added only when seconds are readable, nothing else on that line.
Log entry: h=12 m=38 s=53
